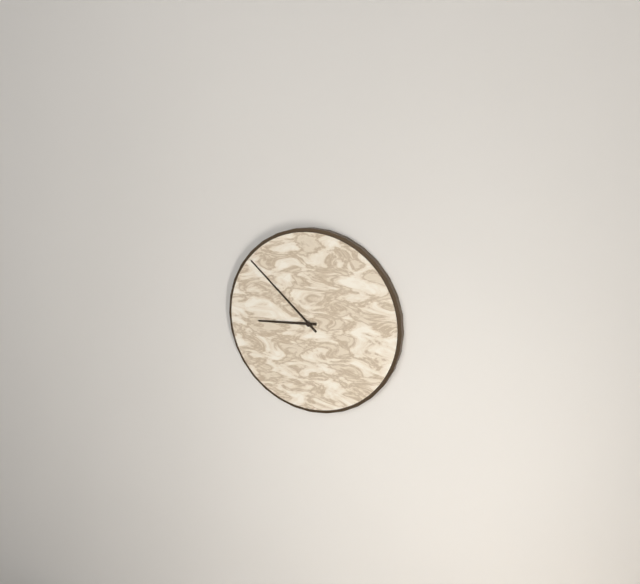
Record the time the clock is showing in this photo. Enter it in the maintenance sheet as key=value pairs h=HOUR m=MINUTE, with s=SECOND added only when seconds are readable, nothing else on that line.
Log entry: h=8 m=52
